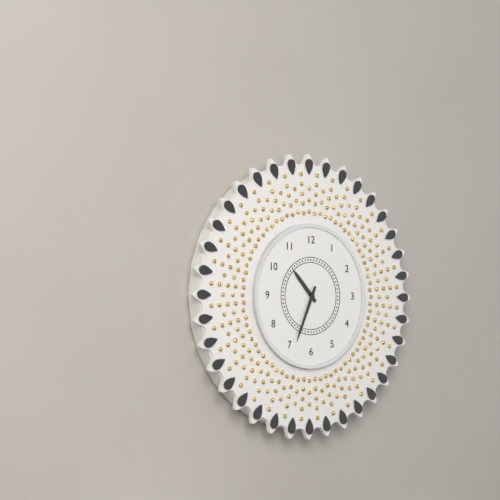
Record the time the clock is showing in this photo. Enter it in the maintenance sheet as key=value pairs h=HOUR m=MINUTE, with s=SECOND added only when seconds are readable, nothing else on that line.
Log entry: h=10 m=34
